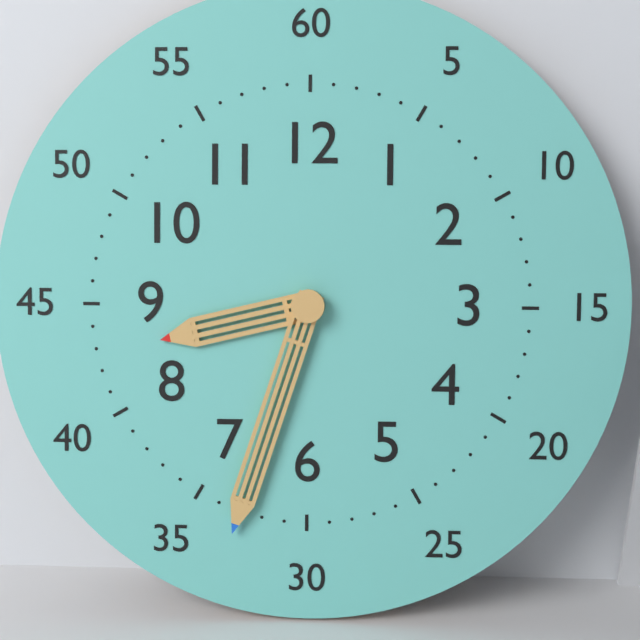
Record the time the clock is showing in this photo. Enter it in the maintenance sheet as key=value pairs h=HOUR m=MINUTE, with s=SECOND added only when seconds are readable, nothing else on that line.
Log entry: h=8 m=33
